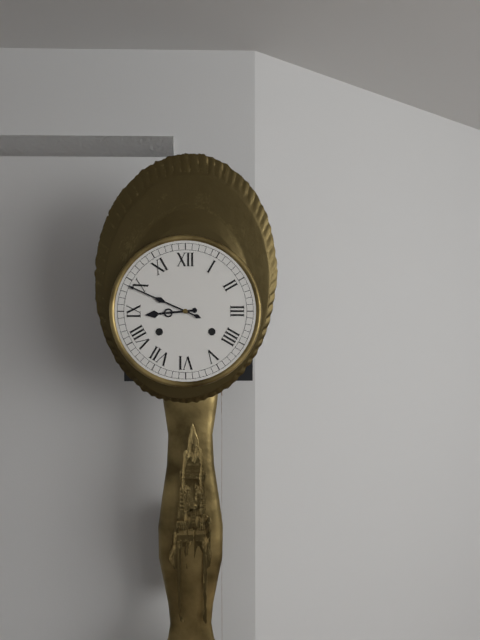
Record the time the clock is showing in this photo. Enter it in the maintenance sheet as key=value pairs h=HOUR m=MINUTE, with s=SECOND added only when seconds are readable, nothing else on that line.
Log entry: h=8 m=49
